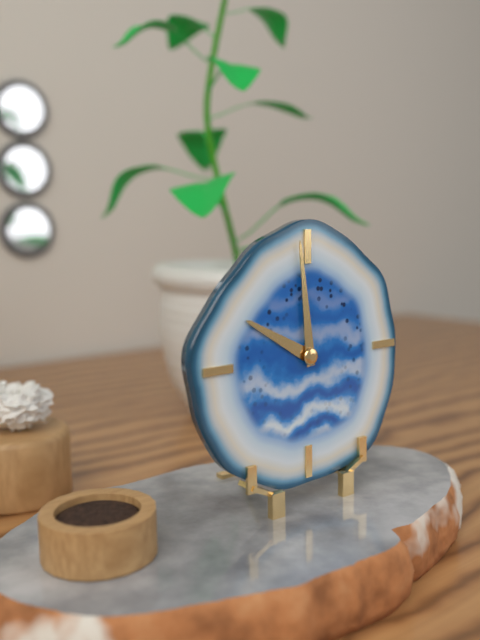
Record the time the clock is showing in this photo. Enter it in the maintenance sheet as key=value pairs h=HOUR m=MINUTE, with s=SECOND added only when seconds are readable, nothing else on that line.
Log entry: h=9 m=59
